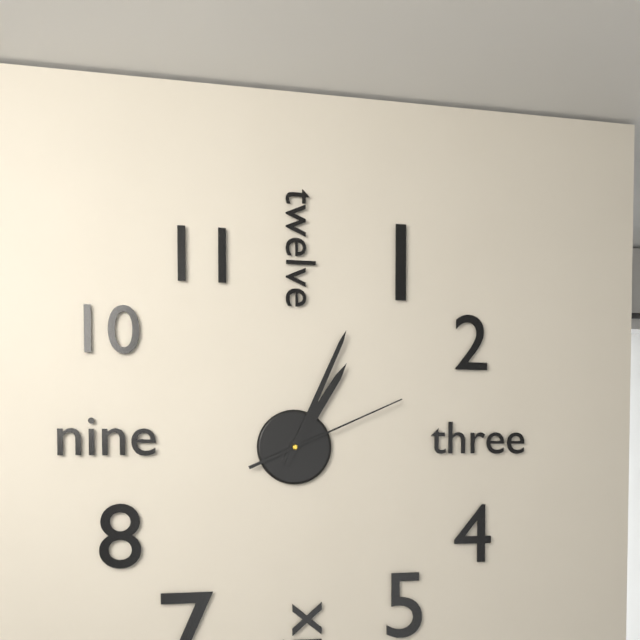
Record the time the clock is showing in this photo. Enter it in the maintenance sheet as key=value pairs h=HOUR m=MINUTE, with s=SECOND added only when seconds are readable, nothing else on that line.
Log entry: h=1 m=4 s=11
